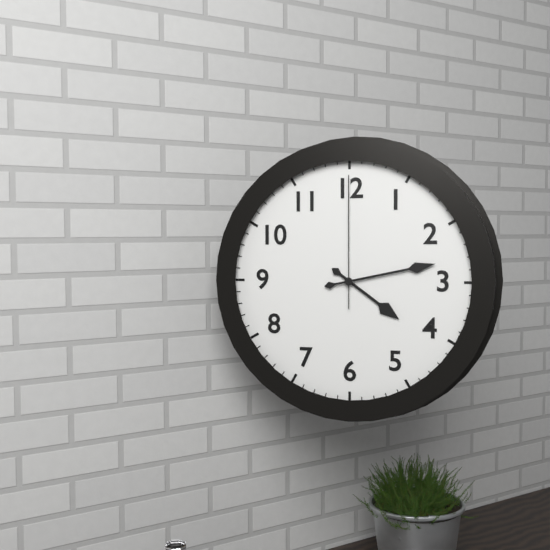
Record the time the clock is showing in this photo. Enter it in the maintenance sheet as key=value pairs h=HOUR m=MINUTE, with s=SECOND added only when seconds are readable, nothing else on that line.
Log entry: h=4 m=13 s=0
